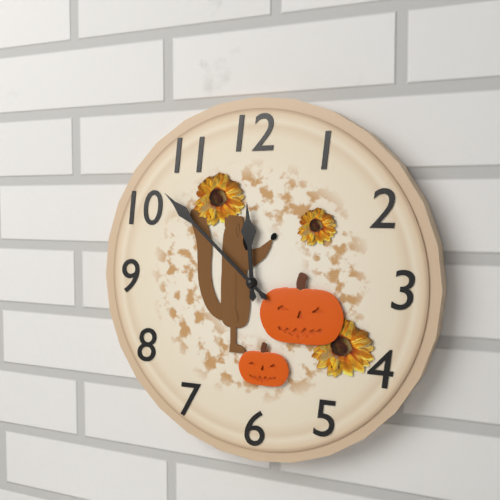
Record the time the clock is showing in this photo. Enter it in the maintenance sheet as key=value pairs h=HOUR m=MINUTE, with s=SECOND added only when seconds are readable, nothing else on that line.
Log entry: h=11 m=52
